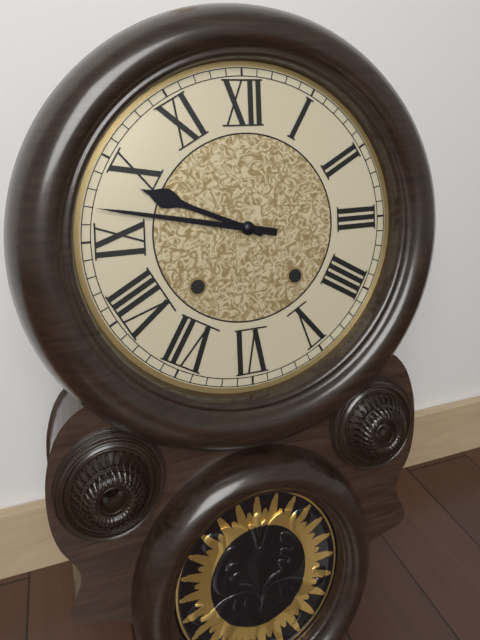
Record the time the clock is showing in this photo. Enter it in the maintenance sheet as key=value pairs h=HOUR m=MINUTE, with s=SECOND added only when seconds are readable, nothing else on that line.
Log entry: h=9 m=47
